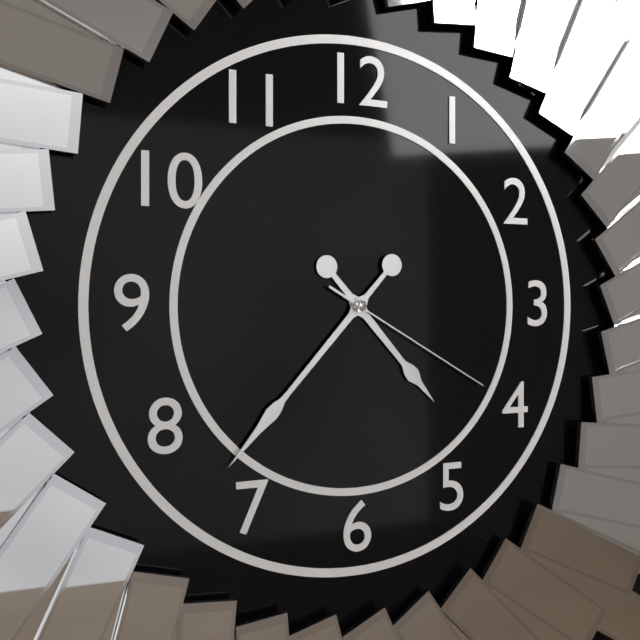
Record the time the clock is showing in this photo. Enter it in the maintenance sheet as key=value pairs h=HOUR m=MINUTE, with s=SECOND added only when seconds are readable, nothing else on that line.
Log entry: h=4 m=37 s=20
